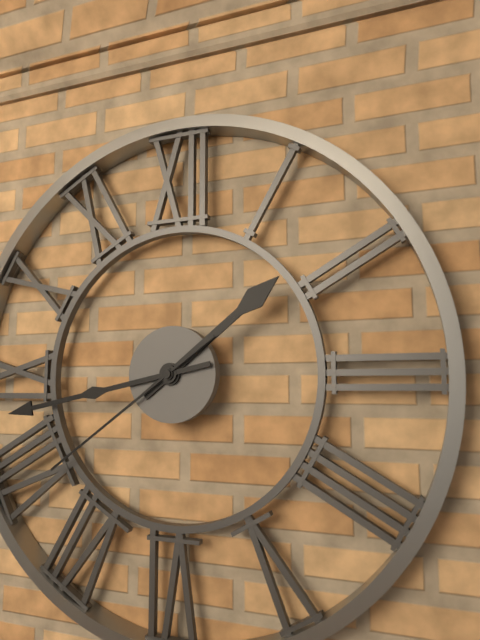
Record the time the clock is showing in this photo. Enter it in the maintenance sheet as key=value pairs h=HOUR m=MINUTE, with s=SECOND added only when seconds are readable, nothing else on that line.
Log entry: h=1 m=43 s=39
